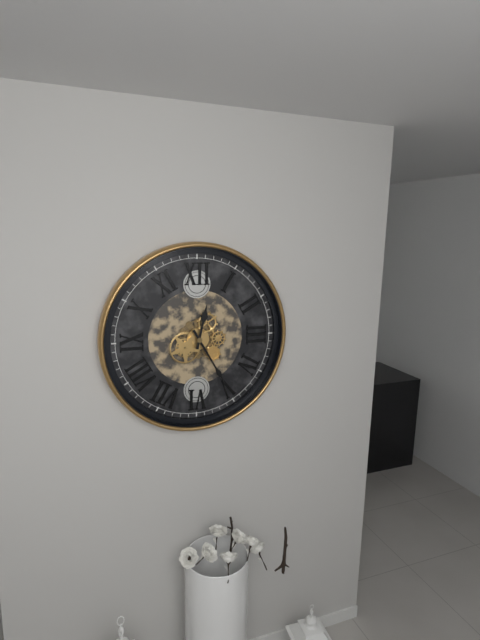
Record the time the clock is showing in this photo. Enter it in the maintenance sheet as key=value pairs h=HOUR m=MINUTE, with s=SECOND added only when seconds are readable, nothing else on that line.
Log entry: h=12 m=25
